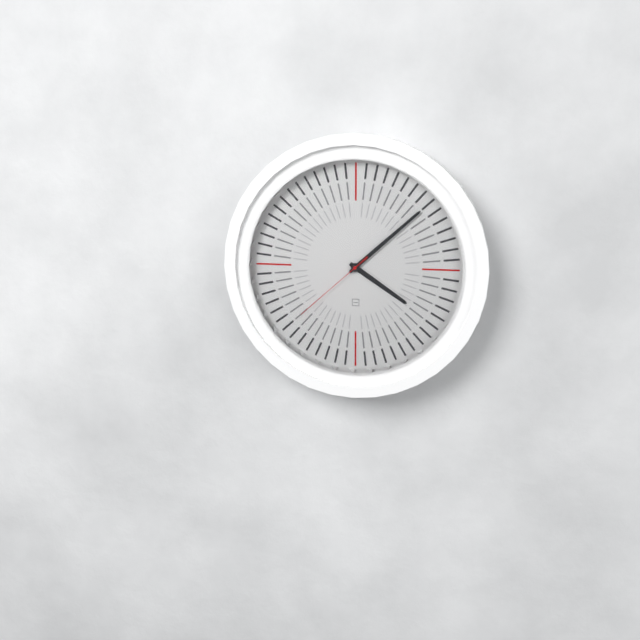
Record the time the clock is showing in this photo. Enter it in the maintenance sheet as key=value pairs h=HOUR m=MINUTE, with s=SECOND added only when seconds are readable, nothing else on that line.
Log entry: h=4 m=8 s=38
